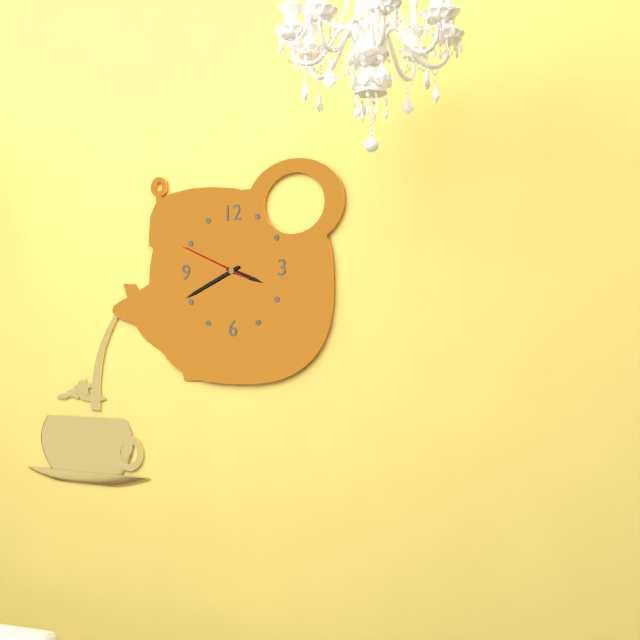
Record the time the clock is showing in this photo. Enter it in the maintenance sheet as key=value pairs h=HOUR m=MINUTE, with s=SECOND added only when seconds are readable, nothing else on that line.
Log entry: h=3 m=41 s=49
